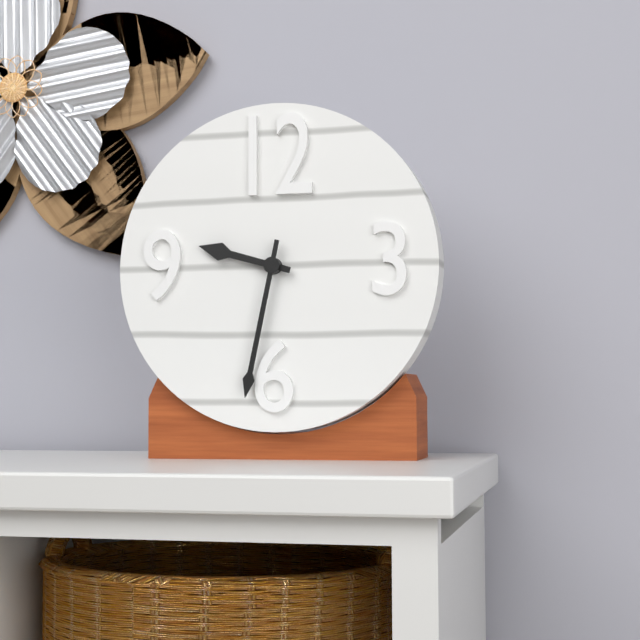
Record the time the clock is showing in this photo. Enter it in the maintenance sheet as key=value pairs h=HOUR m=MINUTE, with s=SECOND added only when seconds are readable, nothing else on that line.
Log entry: h=9 m=32
